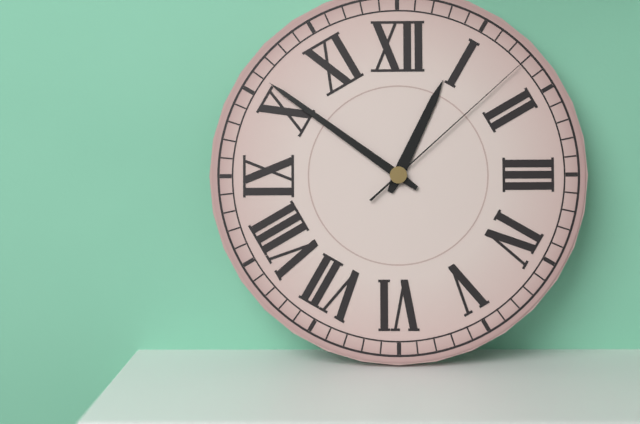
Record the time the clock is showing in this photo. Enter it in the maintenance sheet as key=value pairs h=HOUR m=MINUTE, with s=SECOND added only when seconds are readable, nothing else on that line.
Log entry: h=12 m=51 s=8
